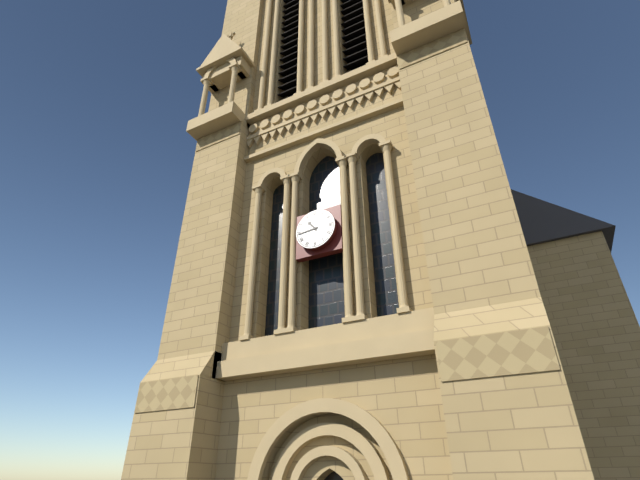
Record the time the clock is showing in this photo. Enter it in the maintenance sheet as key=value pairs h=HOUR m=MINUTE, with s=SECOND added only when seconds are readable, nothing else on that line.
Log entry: h=10 m=44
